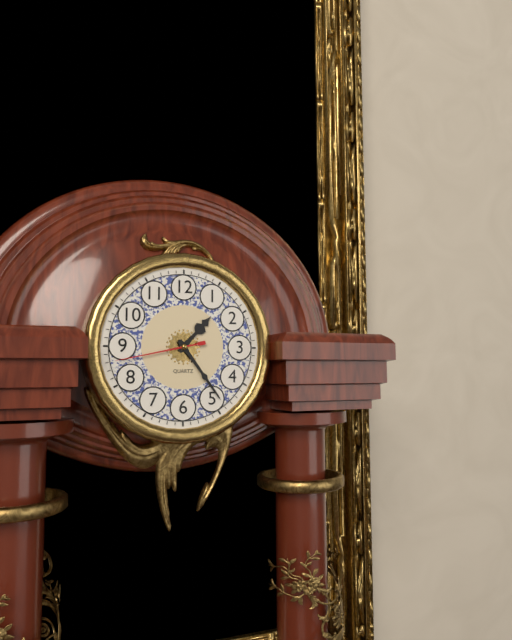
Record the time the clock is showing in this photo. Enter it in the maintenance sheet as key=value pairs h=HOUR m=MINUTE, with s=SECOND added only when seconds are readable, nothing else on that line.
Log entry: h=1 m=24 s=43
